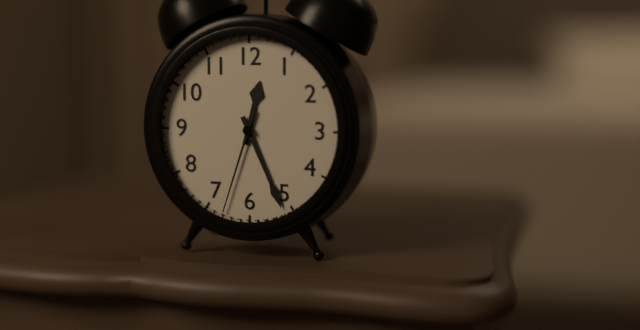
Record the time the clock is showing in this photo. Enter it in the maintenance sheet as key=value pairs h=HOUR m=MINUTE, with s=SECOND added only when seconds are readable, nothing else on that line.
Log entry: h=12 m=26 s=33
